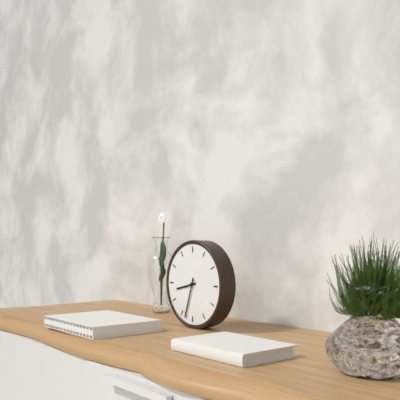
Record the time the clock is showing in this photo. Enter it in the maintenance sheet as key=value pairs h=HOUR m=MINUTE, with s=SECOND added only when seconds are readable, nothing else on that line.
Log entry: h=8 m=33
